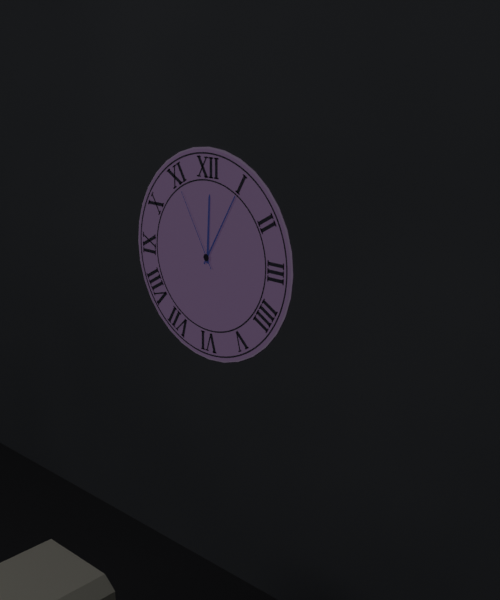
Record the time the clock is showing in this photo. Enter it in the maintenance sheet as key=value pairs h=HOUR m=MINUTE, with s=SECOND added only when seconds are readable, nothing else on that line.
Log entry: h=12 m=5 s=55
